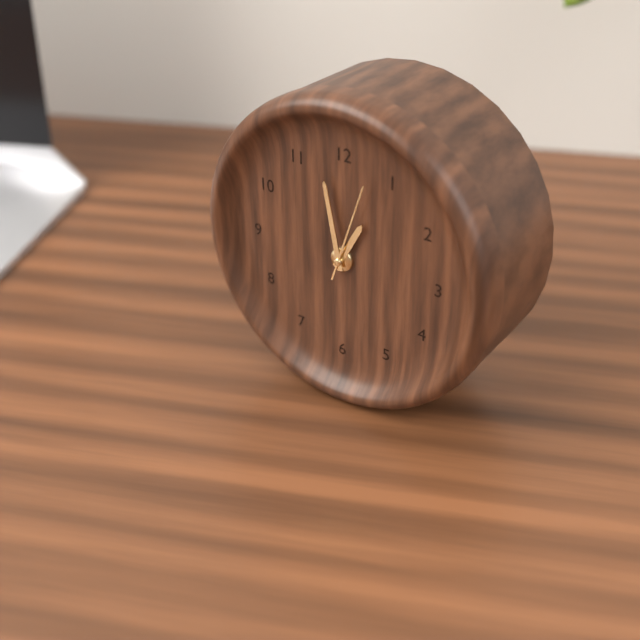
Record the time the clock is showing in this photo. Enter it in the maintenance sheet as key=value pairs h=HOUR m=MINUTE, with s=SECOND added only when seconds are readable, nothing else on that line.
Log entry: h=12 m=58 s=3
